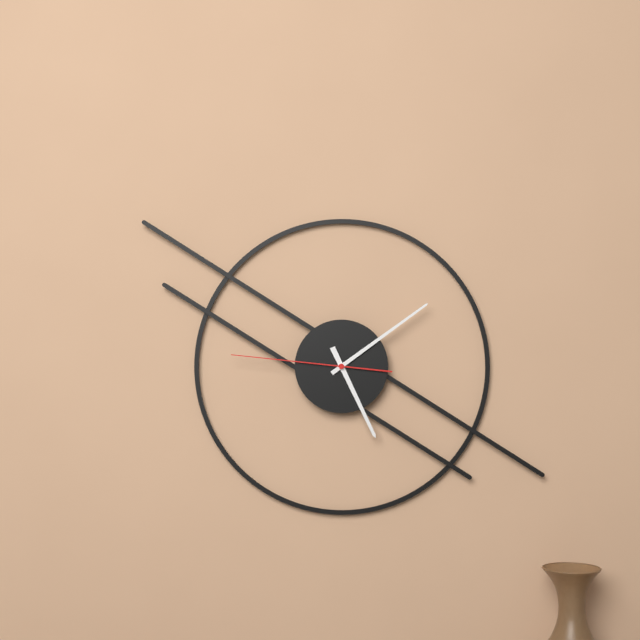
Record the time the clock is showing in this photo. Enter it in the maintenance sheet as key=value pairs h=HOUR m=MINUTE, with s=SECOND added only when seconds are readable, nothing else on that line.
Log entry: h=5 m=9 s=46
